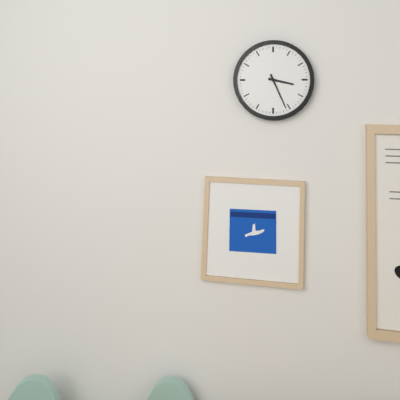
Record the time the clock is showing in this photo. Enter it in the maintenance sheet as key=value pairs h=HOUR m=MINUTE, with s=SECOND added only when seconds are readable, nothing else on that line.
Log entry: h=3 m=26
